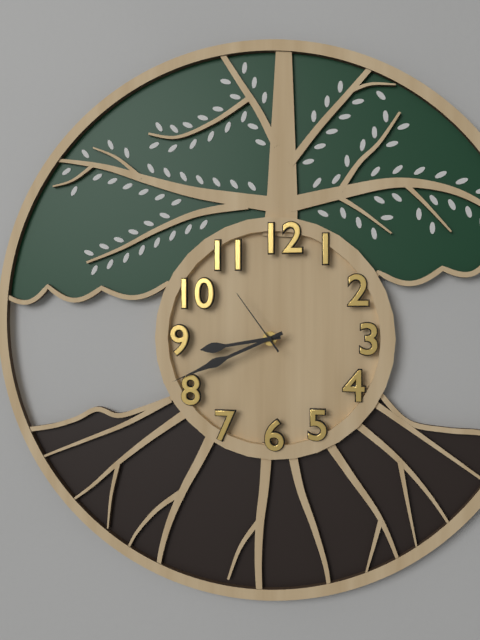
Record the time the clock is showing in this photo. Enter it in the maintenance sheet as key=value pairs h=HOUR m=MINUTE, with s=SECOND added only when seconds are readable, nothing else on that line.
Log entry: h=8 m=41 s=54
